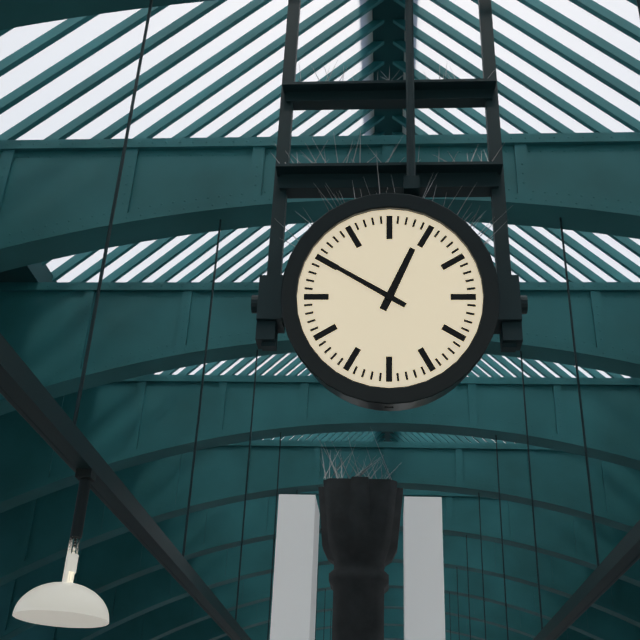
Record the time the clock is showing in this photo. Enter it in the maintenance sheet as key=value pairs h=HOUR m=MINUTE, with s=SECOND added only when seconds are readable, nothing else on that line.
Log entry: h=12 m=50
